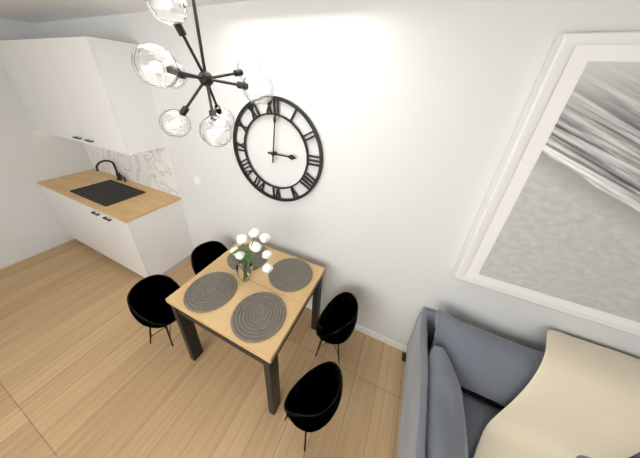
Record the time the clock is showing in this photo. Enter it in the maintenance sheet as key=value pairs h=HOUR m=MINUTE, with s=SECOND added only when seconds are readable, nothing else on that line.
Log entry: h=3 m=1
